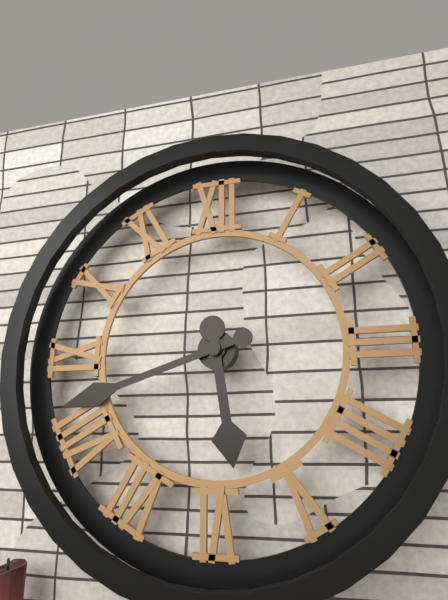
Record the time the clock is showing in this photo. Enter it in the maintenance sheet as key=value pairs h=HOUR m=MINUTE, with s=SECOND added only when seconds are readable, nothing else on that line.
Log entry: h=5 m=42
